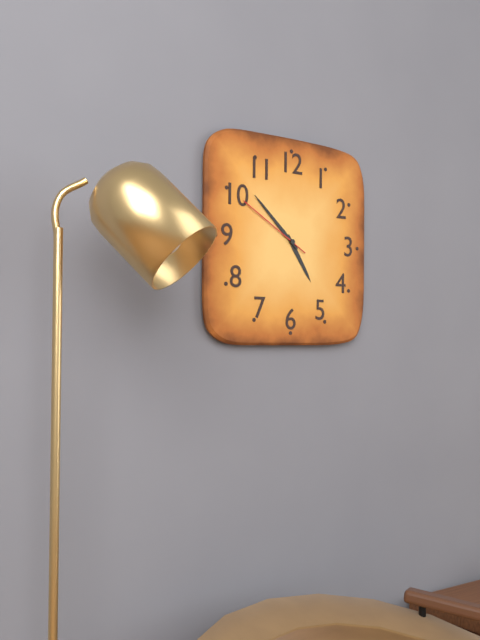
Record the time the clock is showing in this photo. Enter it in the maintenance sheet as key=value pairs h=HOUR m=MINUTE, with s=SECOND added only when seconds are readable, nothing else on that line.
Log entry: h=4 m=52 s=50
